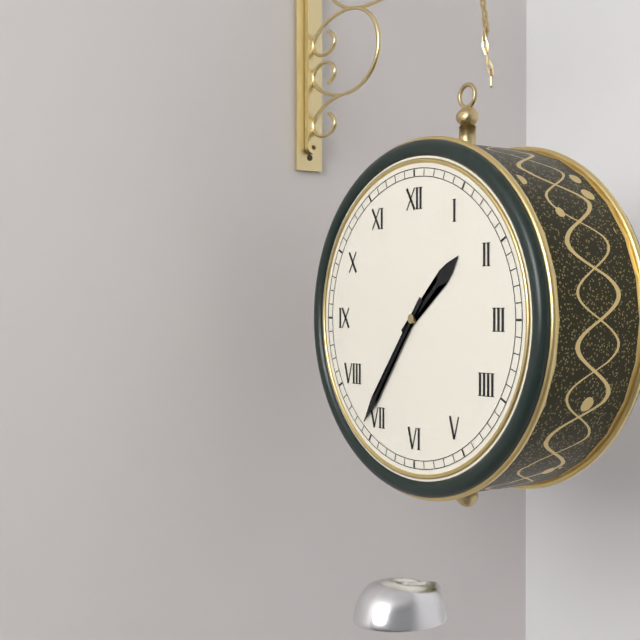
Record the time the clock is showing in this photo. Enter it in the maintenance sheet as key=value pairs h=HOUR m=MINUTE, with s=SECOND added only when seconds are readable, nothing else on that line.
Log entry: h=1 m=36
